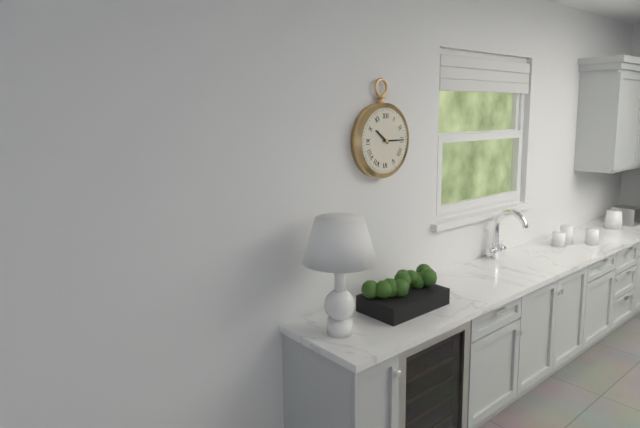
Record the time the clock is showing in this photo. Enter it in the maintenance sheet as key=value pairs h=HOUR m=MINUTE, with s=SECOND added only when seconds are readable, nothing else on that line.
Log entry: h=10 m=15
